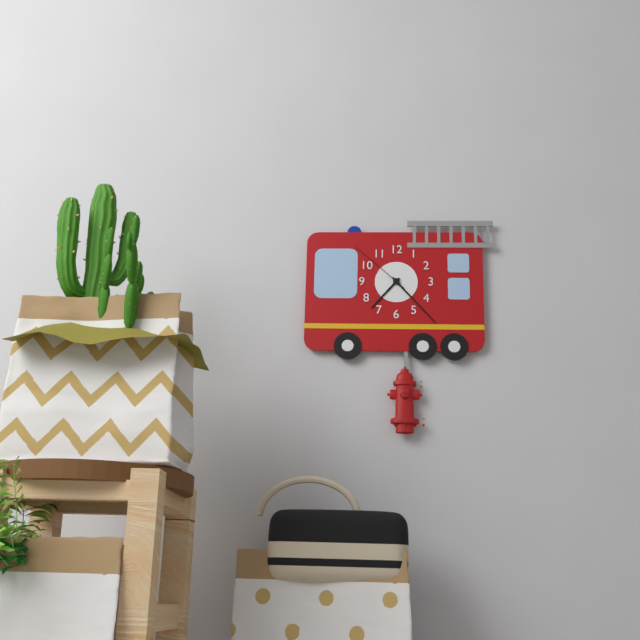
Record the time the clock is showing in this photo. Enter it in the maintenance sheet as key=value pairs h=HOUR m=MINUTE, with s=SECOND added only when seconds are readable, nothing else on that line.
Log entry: h=7 m=23 s=52
